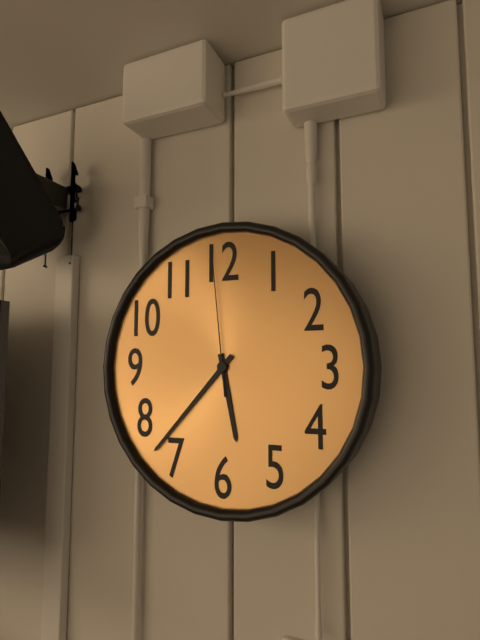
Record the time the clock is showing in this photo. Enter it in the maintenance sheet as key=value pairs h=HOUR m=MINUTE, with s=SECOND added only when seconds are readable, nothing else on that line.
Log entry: h=5 m=37 s=59
